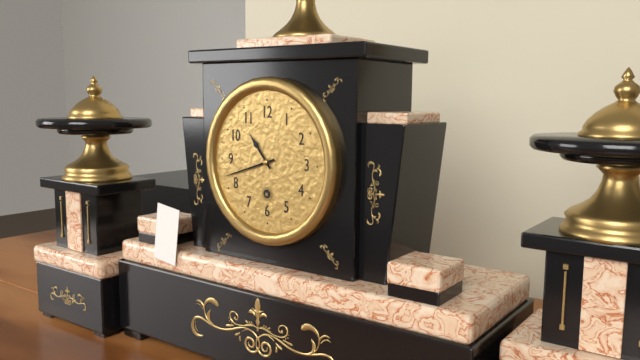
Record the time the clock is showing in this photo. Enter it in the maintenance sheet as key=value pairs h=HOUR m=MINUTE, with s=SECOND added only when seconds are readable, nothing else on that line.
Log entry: h=10 m=42
